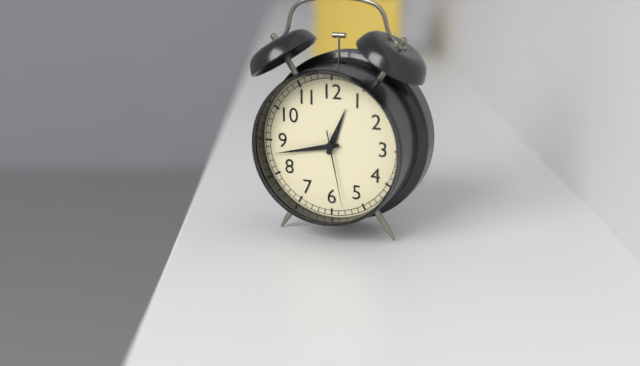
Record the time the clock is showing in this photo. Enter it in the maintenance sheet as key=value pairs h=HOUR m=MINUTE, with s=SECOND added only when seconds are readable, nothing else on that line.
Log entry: h=12 m=43 s=28
